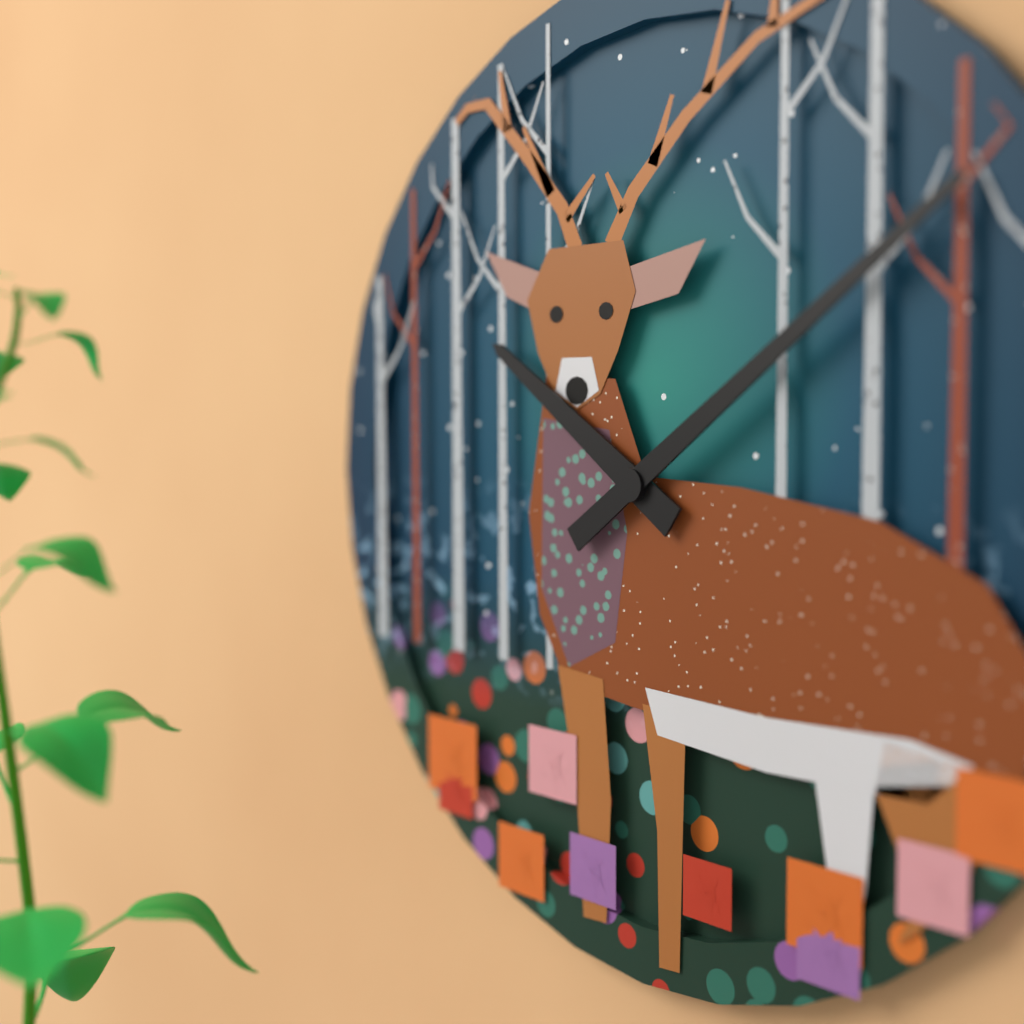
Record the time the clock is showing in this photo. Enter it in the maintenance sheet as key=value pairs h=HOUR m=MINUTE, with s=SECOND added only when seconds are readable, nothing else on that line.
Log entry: h=10 m=9
